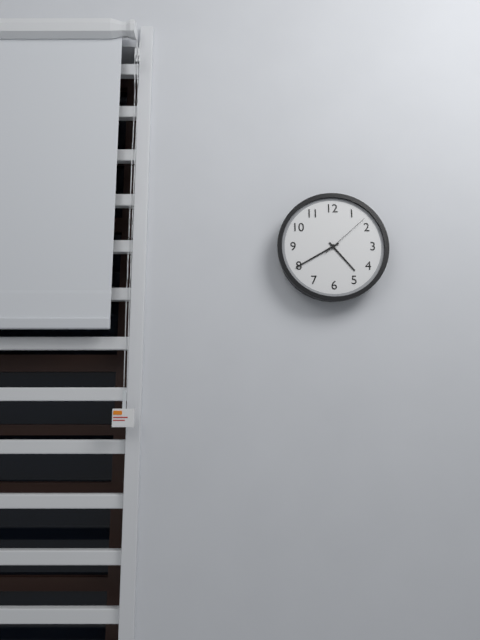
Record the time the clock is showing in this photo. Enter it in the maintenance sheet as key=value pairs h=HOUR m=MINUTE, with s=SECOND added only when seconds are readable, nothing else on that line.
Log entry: h=4 m=40 s=8
